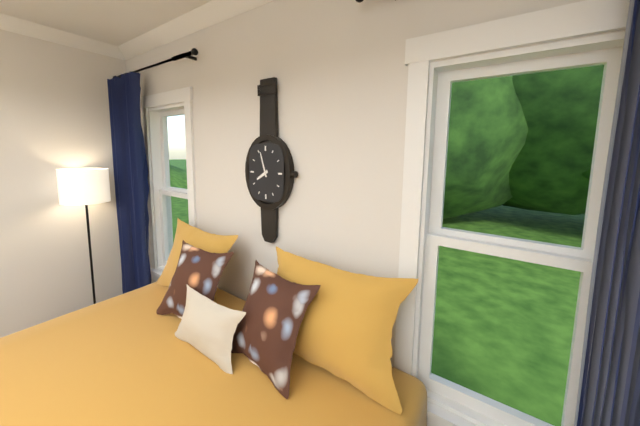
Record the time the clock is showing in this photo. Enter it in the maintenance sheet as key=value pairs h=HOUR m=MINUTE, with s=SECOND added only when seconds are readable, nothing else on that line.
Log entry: h=7 m=57
